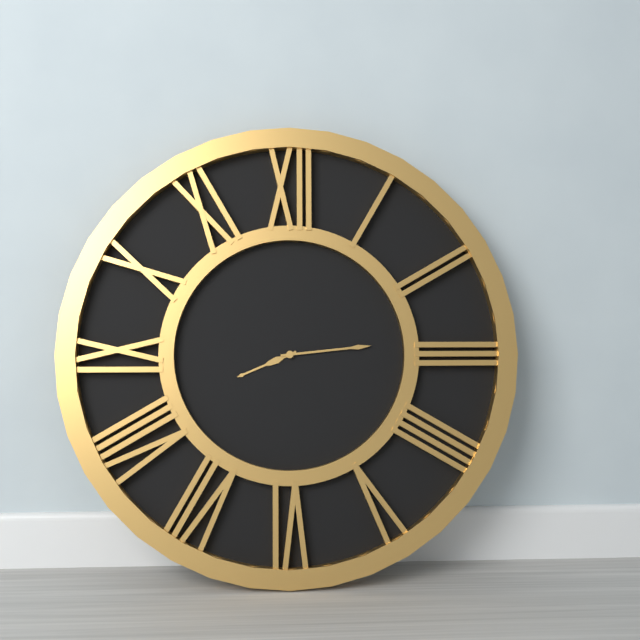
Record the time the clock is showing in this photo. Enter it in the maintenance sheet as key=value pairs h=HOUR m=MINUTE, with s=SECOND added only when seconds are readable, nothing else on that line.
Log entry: h=8 m=14
